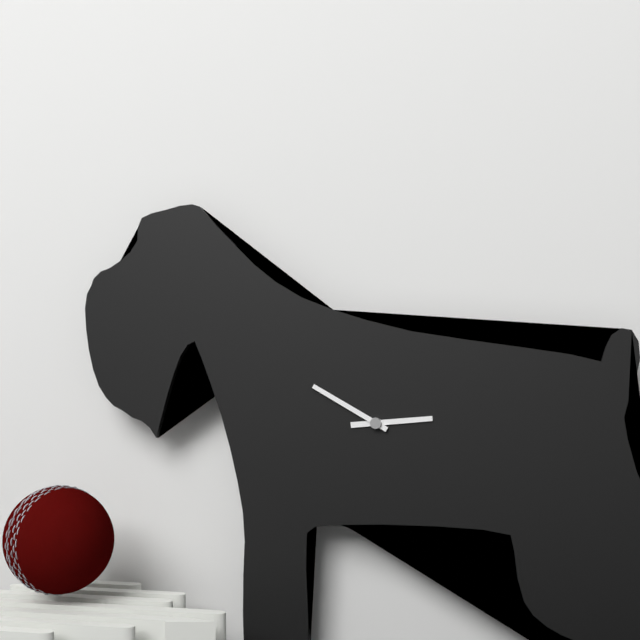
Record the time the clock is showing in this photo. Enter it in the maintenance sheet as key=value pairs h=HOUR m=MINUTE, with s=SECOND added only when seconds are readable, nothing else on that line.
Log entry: h=2 m=50
